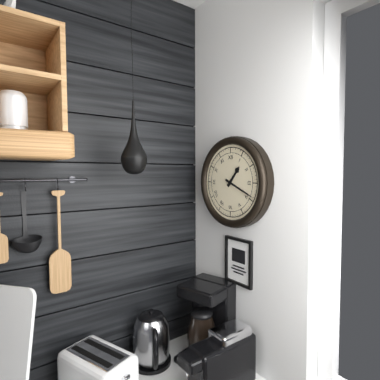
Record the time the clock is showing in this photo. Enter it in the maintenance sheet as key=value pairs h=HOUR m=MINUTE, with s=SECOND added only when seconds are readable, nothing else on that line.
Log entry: h=1 m=19
